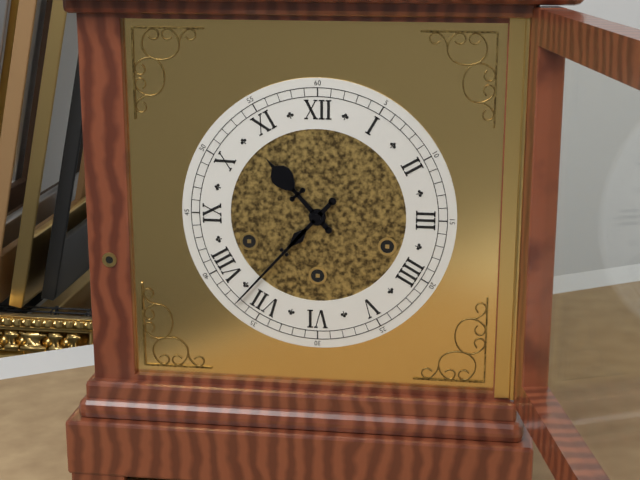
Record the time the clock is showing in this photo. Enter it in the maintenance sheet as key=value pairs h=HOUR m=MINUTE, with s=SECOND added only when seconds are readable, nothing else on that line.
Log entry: h=10 m=37
